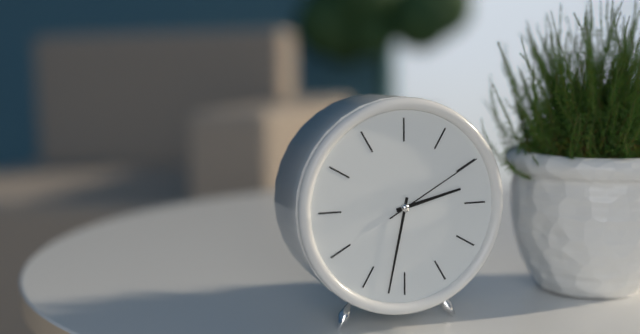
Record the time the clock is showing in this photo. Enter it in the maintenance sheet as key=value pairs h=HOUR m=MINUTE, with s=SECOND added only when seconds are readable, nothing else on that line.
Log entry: h=2 m=32 s=10
